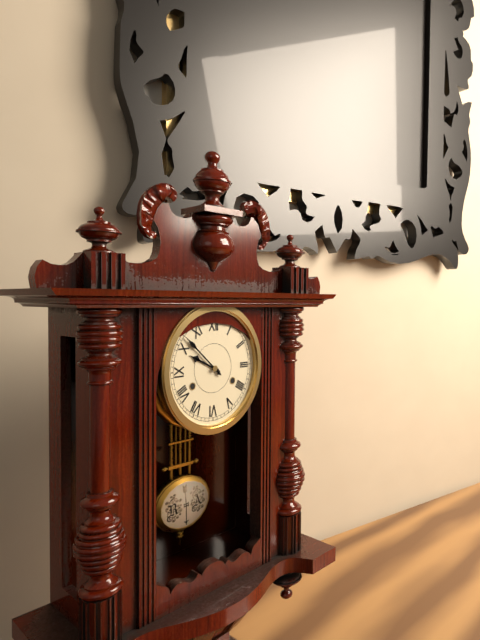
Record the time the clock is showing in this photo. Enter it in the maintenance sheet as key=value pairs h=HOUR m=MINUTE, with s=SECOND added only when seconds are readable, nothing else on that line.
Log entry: h=9 m=52
